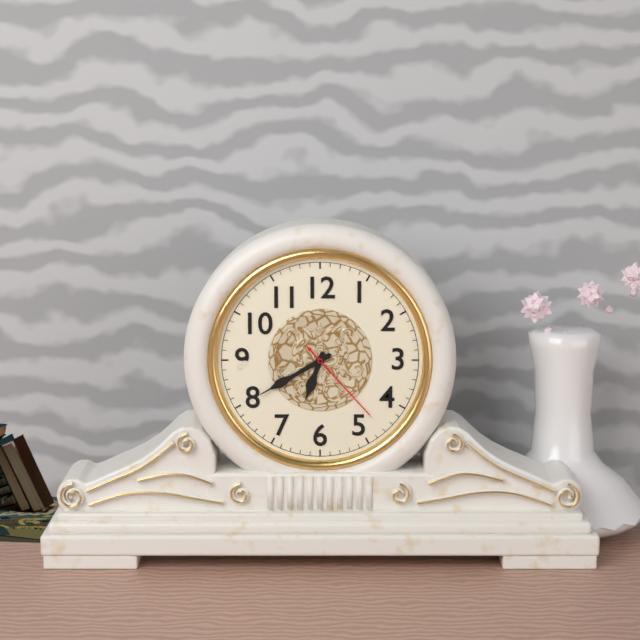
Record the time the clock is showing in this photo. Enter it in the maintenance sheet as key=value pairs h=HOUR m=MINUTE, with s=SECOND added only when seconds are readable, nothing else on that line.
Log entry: h=6 m=40 s=23
